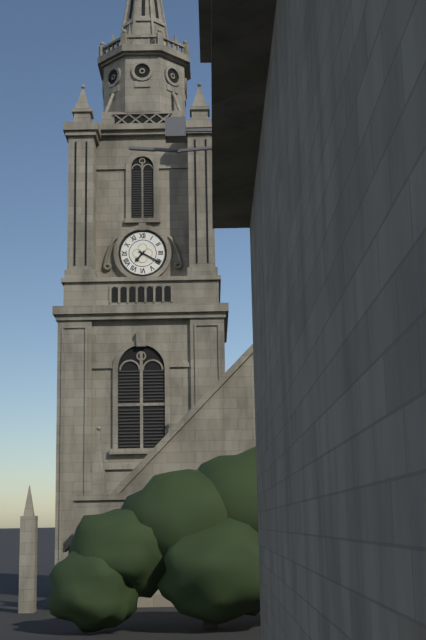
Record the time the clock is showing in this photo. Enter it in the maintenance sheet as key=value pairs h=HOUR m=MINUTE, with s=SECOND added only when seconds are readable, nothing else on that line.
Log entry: h=7 m=20
